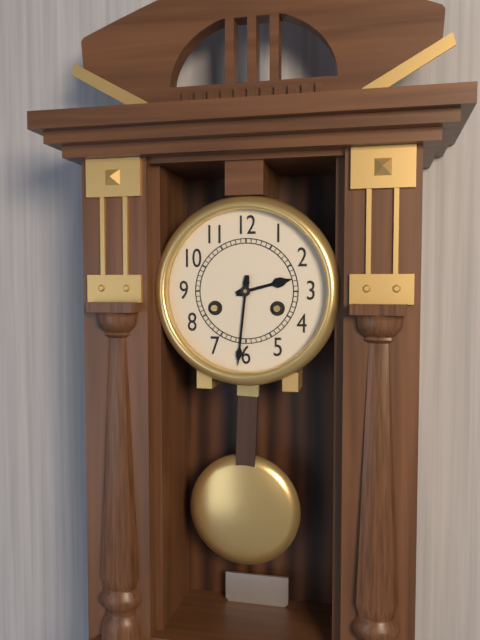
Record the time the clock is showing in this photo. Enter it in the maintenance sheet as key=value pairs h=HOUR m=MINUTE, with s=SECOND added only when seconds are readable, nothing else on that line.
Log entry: h=2 m=31
